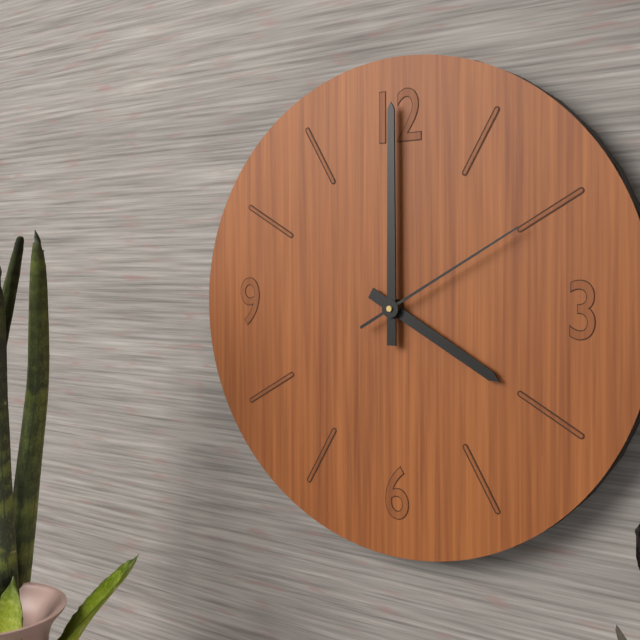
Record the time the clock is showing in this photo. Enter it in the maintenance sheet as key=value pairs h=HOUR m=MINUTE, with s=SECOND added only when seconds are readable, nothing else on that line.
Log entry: h=4 m=0 s=10
